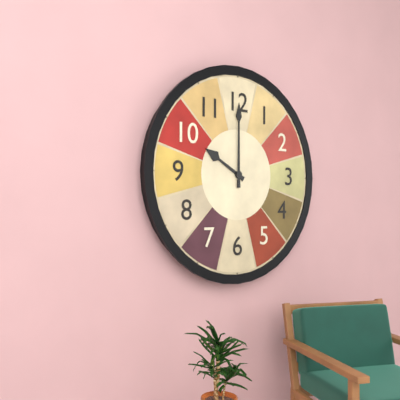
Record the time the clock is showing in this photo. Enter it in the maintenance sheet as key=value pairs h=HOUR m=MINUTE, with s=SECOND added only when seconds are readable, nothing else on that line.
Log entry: h=10 m=0
